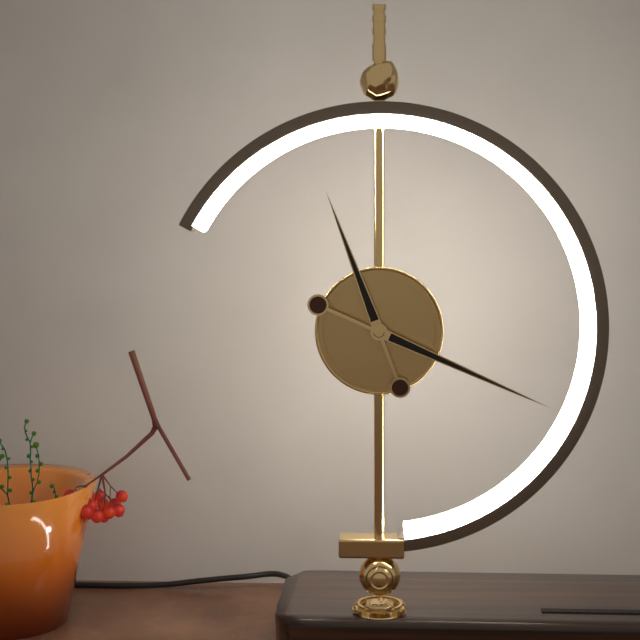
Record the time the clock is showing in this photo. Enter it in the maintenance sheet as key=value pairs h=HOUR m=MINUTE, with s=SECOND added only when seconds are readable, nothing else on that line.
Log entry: h=11 m=19
